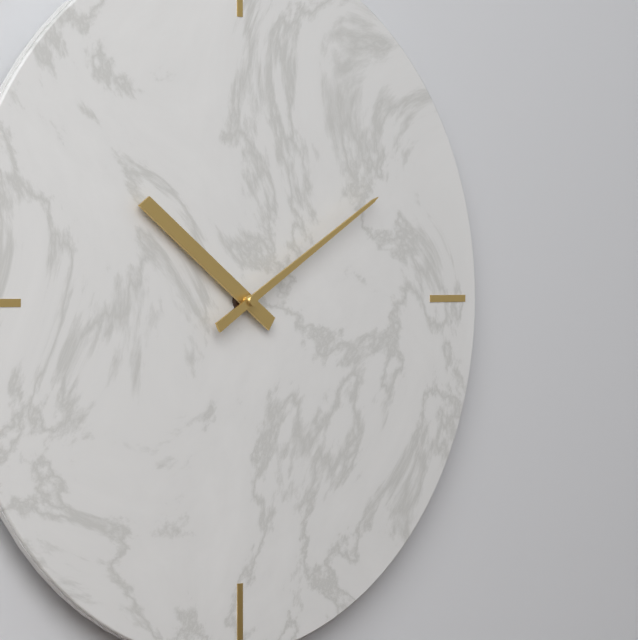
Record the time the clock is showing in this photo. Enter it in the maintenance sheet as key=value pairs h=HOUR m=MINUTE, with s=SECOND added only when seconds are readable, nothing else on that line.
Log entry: h=10 m=10
